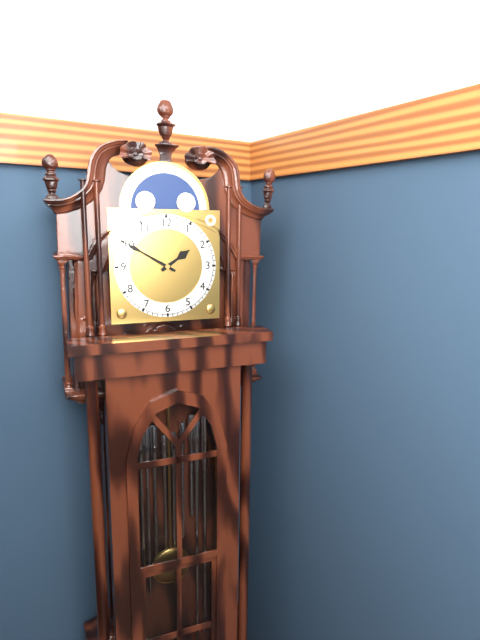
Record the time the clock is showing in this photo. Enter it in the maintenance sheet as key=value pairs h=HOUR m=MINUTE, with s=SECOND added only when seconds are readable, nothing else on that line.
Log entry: h=1 m=50
